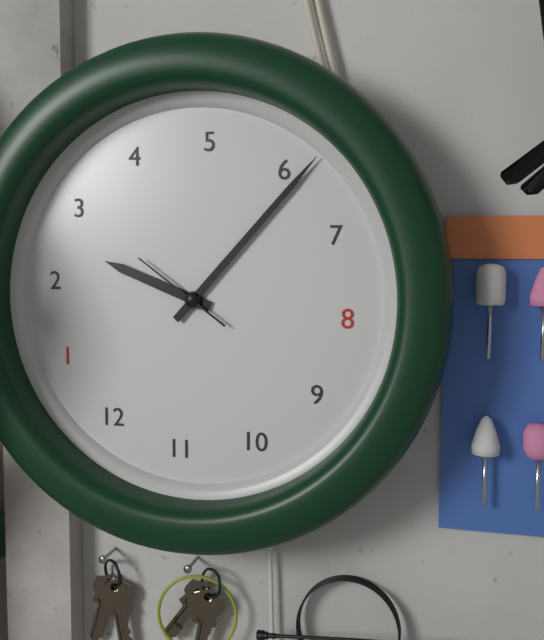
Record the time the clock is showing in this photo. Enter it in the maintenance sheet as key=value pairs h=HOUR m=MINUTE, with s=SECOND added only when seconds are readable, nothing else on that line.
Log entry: h=2 m=31 s=15
